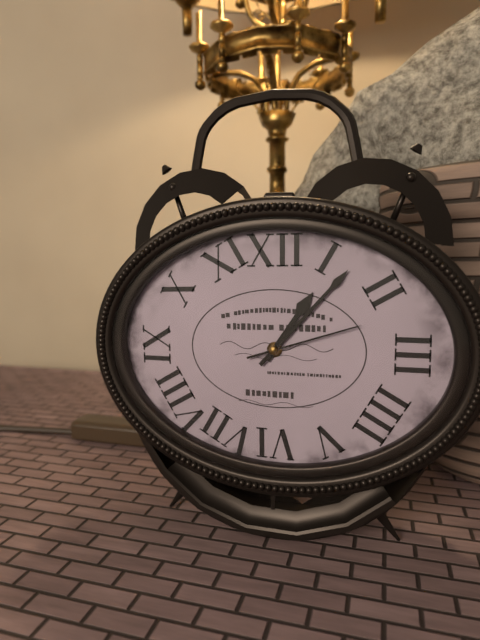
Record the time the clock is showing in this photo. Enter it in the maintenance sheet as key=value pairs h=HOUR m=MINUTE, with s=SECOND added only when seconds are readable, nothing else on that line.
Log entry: h=1 m=7 s=12
